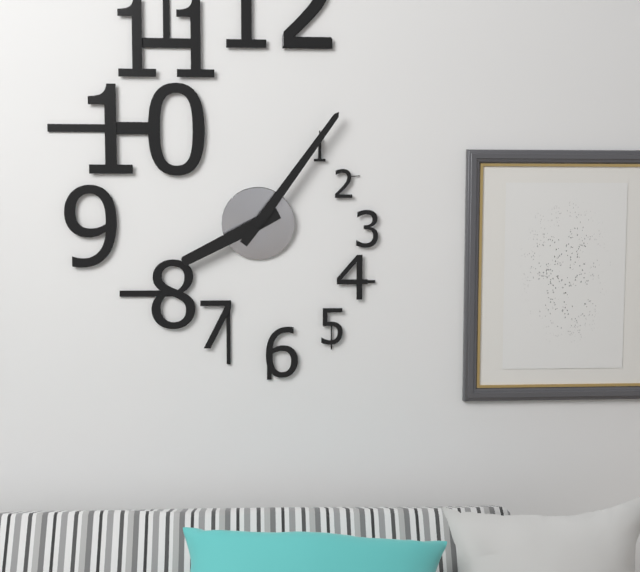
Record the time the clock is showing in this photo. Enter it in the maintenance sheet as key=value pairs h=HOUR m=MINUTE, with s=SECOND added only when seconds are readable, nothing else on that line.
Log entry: h=8 m=6
